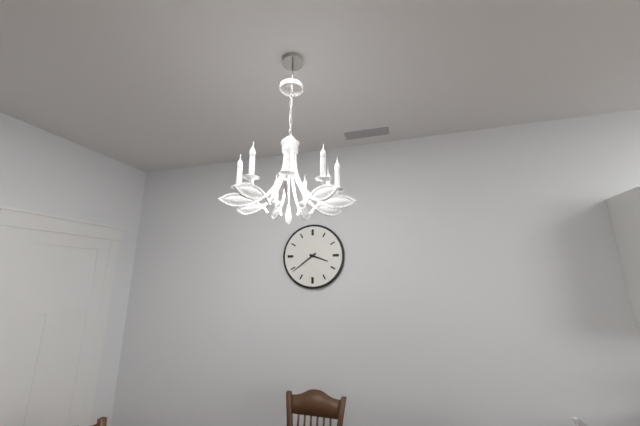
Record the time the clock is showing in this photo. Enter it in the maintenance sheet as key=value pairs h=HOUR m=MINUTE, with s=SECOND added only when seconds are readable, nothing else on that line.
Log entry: h=3 m=39
